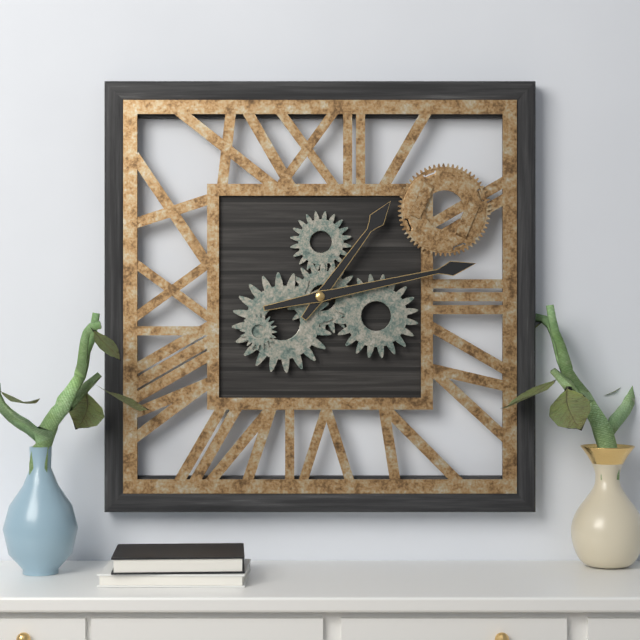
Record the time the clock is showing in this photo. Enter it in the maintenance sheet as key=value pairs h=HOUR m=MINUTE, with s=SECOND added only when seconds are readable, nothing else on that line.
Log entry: h=1 m=13
